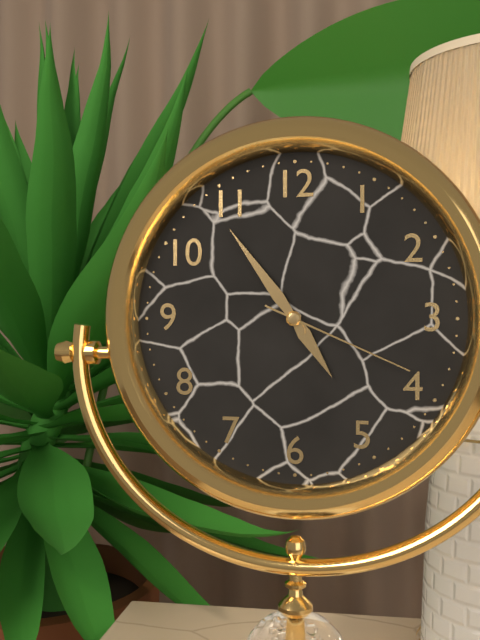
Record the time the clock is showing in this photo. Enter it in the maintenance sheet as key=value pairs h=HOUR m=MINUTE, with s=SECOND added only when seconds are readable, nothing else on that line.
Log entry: h=4 m=54 s=19
